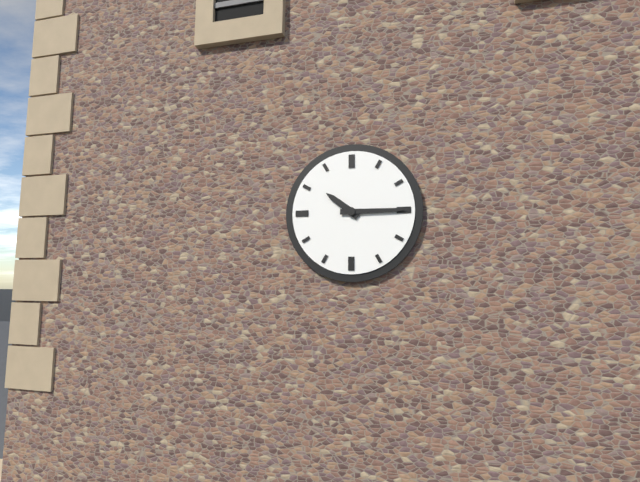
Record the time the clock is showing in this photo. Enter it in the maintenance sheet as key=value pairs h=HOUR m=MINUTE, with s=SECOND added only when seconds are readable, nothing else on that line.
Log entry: h=10 m=15
